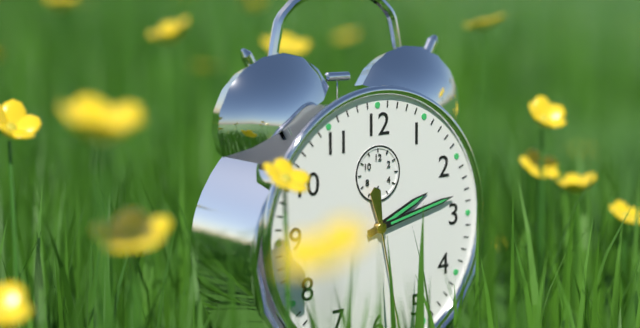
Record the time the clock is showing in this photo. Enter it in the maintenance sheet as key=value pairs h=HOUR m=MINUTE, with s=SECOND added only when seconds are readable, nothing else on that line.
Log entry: h=2 m=13
